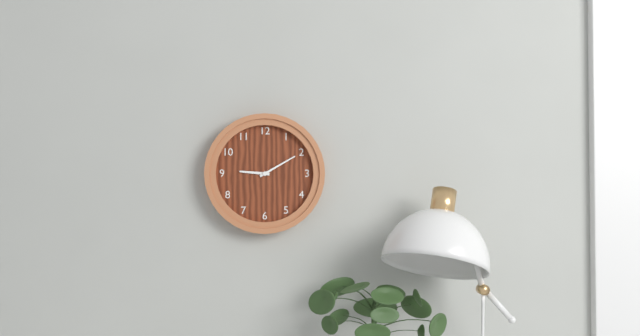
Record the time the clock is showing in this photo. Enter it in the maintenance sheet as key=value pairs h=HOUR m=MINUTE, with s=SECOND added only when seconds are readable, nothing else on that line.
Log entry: h=9 m=10
